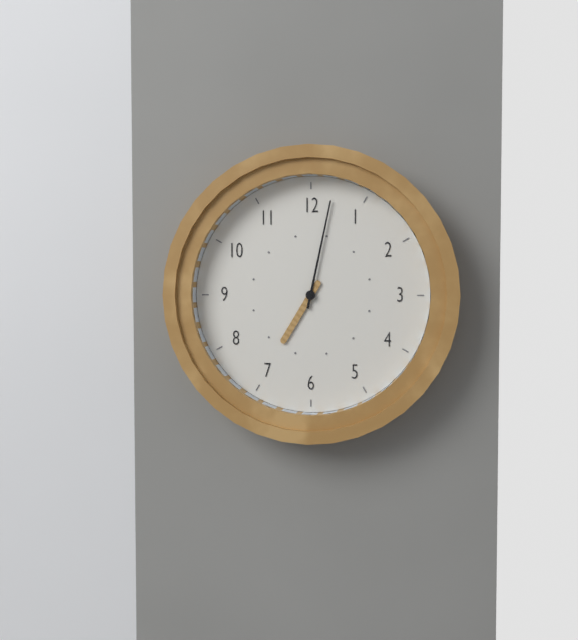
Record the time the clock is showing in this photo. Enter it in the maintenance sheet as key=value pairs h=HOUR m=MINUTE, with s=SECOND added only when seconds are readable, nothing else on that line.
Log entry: h=7 m=2
